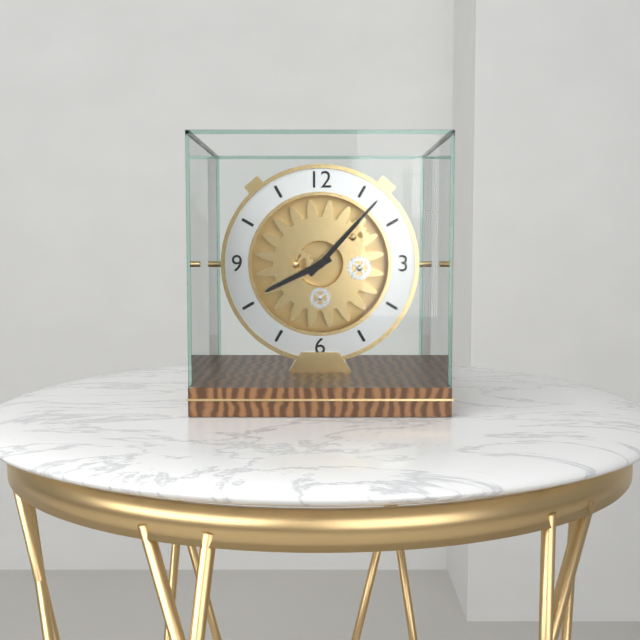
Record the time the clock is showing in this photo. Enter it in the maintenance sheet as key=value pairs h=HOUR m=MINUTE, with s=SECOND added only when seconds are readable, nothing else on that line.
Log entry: h=8 m=7
